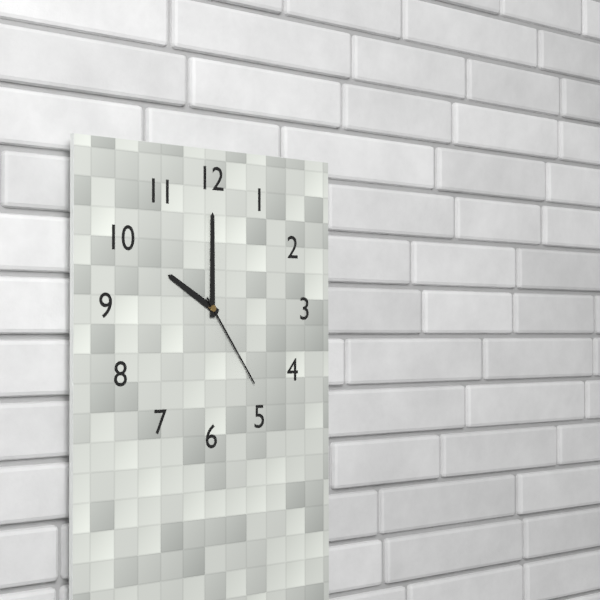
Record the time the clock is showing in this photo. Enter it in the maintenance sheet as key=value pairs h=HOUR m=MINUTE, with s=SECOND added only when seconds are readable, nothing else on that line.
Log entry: h=10 m=0 s=24
